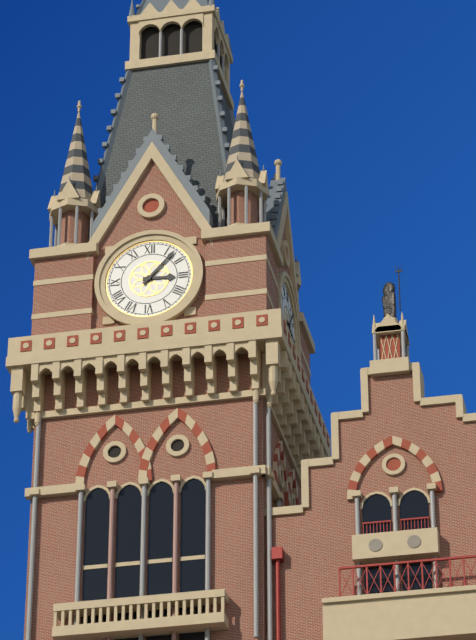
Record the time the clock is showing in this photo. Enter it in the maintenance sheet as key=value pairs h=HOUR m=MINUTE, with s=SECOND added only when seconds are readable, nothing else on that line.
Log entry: h=3 m=7
